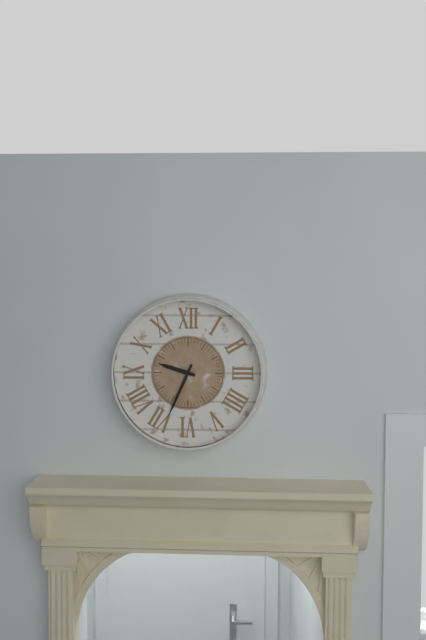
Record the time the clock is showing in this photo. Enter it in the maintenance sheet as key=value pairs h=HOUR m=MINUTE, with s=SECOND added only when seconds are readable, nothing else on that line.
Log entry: h=9 m=34
